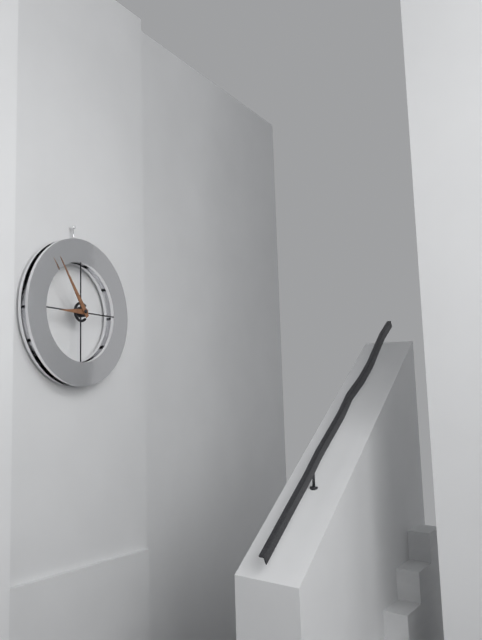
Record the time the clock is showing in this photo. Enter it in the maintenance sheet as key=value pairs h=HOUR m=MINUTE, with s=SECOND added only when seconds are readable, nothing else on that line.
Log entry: h=8 m=54
